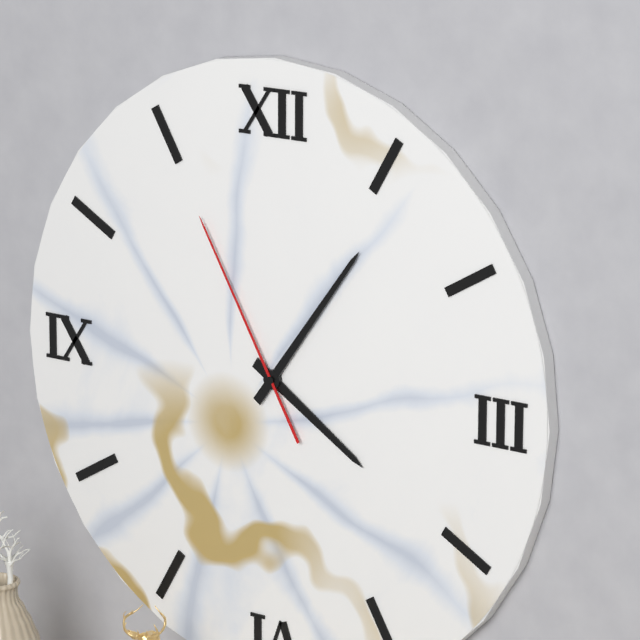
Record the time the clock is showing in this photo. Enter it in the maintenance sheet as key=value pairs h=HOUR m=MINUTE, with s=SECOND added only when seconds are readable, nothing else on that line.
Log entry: h=4 m=6 s=55
